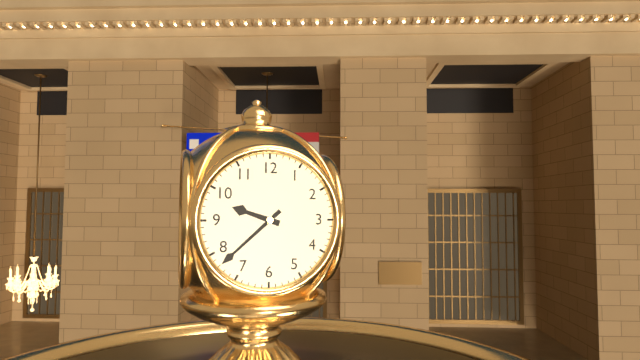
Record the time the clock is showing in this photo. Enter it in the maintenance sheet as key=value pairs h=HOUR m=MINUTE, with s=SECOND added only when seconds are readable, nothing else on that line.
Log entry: h=9 m=38
